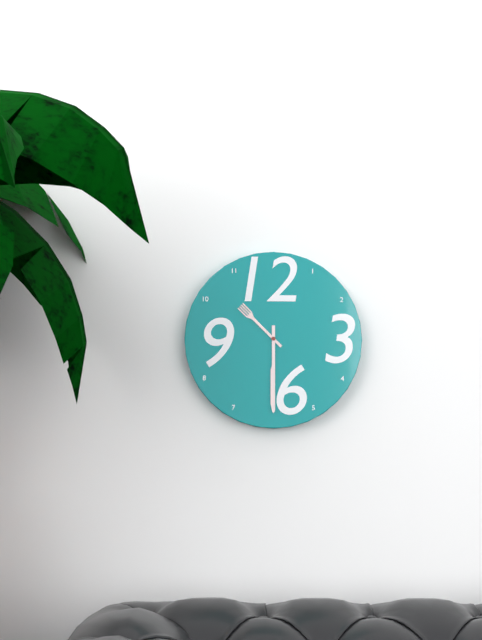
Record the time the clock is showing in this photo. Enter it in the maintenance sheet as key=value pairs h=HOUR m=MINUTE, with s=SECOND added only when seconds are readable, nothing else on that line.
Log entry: h=10 m=30
